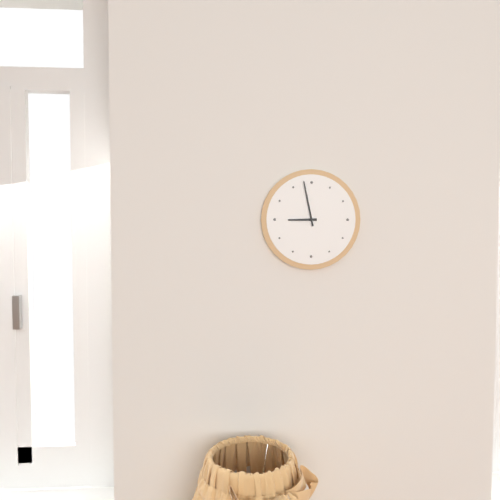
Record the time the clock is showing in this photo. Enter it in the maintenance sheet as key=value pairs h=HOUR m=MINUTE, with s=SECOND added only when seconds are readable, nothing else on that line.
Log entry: h=8 m=58
